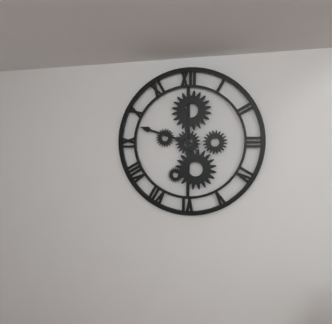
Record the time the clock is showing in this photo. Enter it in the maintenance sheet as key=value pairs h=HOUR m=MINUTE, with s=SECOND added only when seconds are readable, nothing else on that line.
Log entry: h=11 m=48
